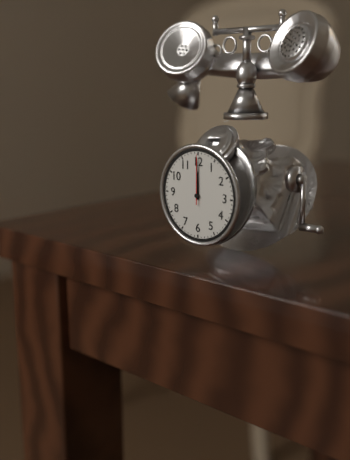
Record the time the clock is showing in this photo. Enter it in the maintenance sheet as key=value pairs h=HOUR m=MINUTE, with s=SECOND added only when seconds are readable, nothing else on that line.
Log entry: h=12 m=0 s=0
